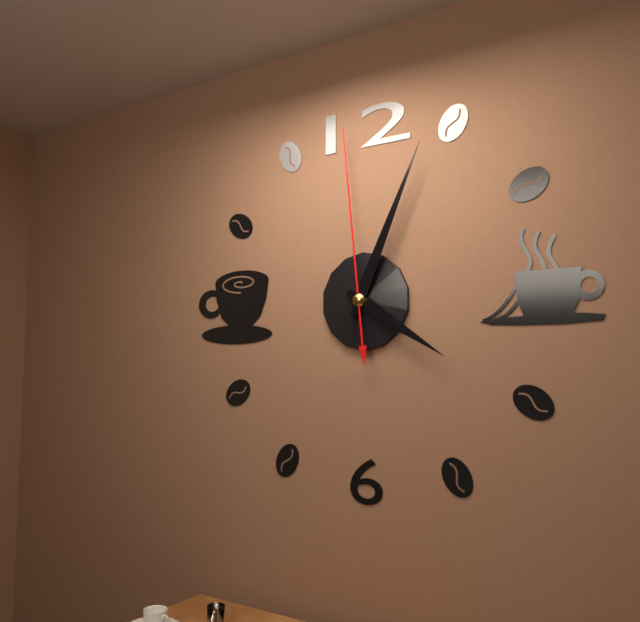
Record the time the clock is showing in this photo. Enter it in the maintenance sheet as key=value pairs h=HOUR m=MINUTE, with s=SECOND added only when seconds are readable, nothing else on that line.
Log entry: h=4 m=4 s=59
